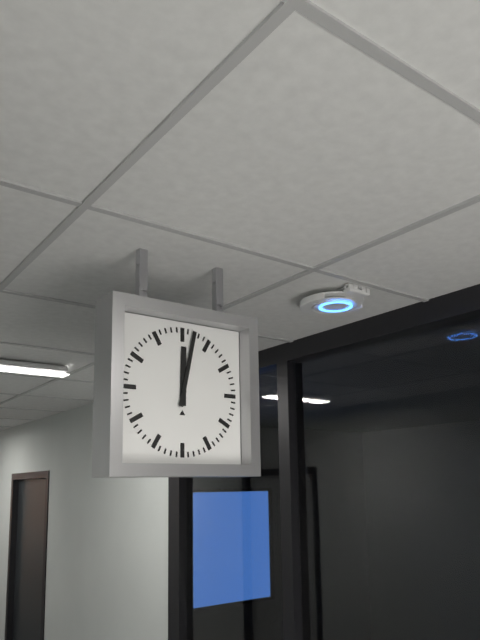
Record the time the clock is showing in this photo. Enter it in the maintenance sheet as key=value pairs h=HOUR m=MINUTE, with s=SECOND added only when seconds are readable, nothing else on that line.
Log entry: h=12 m=2
